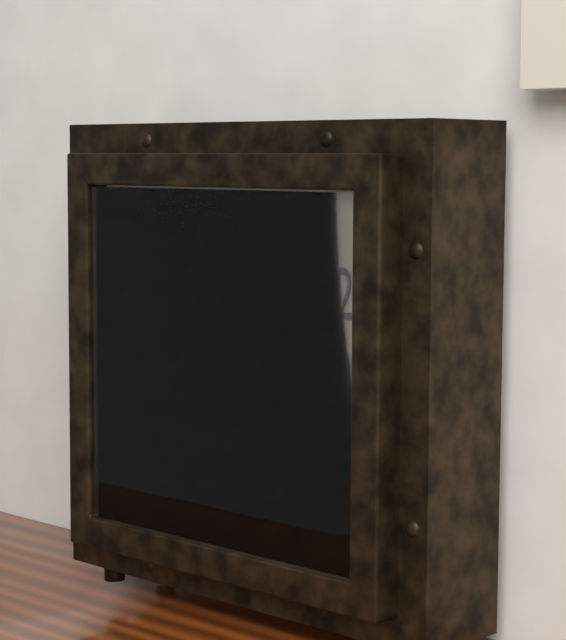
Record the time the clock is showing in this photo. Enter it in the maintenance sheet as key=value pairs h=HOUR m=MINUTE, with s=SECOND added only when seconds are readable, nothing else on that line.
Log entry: h=8 m=55
